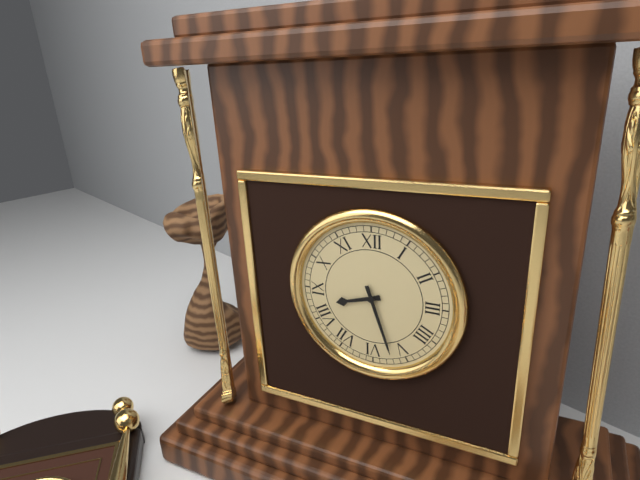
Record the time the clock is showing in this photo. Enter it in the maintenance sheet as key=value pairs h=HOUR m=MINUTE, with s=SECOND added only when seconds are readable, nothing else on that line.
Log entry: h=8 m=27
